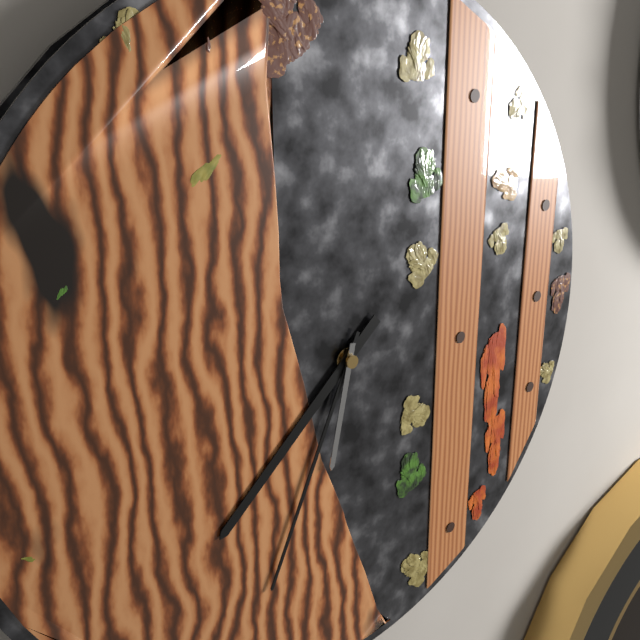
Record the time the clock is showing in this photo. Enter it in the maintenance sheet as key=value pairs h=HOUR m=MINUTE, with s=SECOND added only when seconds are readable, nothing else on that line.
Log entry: h=7 m=34 s=32
